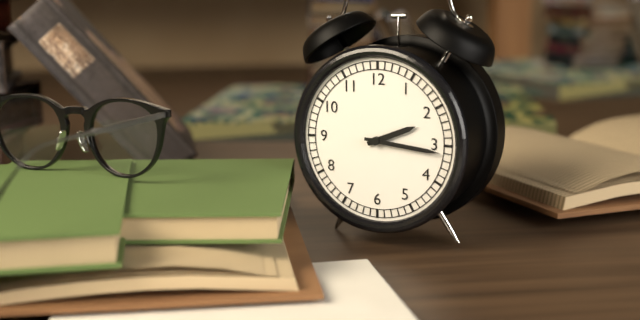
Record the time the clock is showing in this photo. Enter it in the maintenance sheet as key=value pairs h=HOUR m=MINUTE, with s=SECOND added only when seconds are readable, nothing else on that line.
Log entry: h=2 m=16
